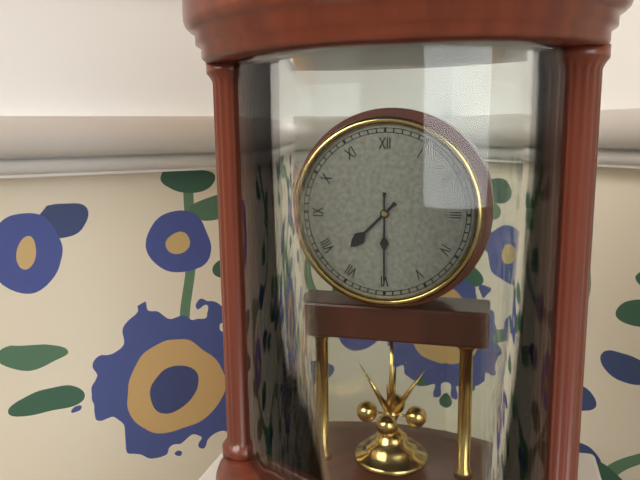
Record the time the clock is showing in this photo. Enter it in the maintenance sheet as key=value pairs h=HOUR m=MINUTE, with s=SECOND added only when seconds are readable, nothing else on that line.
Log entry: h=7 m=30
